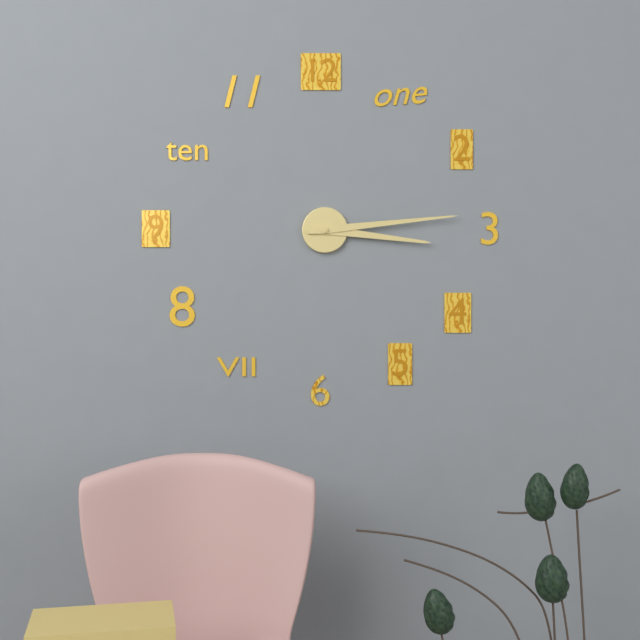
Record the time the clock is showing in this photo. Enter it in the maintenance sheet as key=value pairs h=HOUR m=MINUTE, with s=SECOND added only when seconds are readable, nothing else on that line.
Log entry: h=3 m=14
